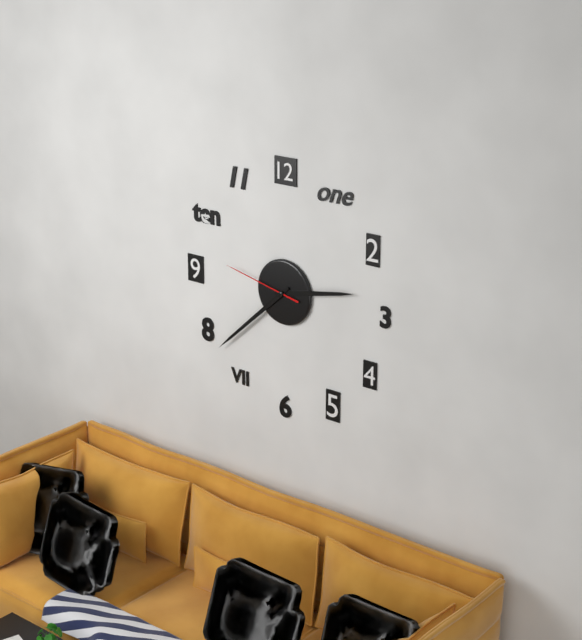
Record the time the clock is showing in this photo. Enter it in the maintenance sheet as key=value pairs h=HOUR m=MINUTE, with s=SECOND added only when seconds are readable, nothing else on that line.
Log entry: h=2 m=38 s=47
